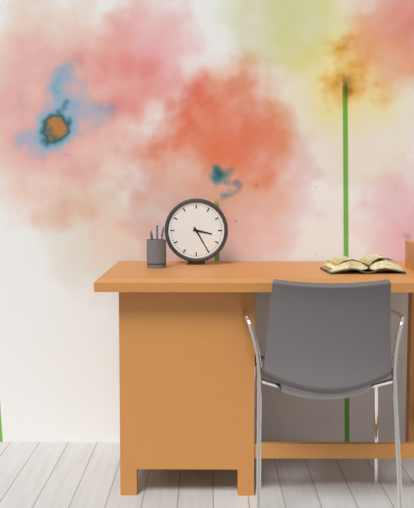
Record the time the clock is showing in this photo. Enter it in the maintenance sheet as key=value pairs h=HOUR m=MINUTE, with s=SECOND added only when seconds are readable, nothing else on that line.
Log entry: h=3 m=25
